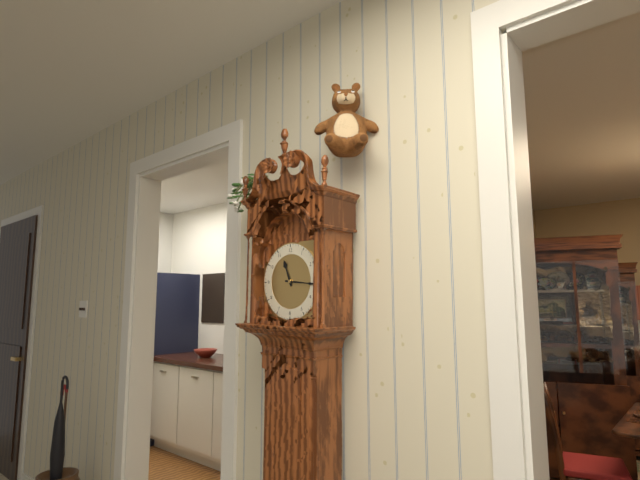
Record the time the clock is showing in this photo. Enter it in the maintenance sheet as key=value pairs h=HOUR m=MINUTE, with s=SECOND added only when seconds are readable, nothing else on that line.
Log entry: h=11 m=16
